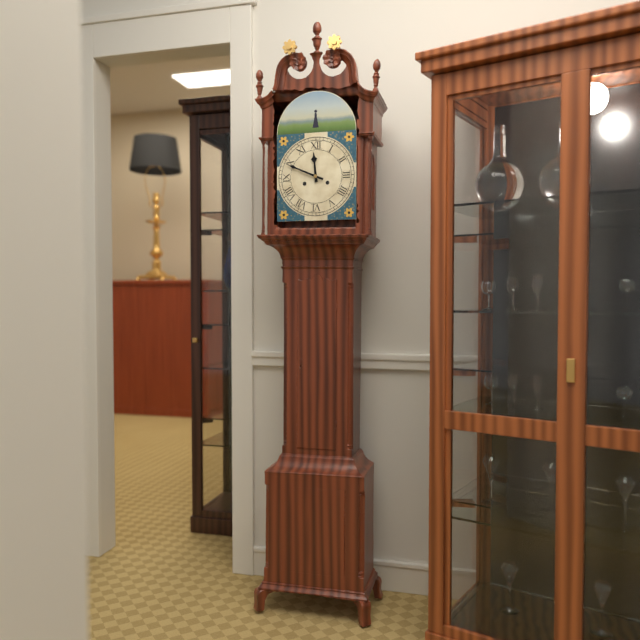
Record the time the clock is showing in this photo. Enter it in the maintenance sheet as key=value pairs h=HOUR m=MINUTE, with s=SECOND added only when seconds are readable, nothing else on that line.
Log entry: h=11 m=49
